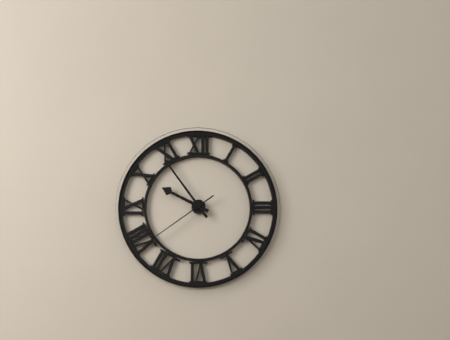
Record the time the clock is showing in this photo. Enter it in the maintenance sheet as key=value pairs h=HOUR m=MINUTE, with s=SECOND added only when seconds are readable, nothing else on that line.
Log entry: h=9 m=54 s=39
